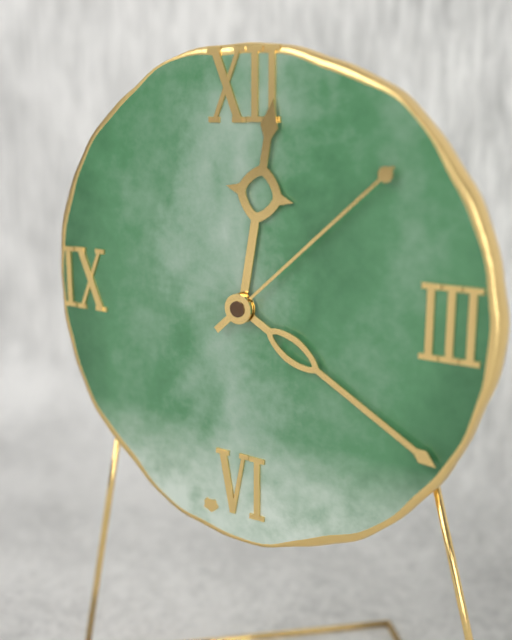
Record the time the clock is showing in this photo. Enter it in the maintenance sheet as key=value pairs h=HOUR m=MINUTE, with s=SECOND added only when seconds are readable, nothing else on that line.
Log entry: h=12 m=20 s=8
